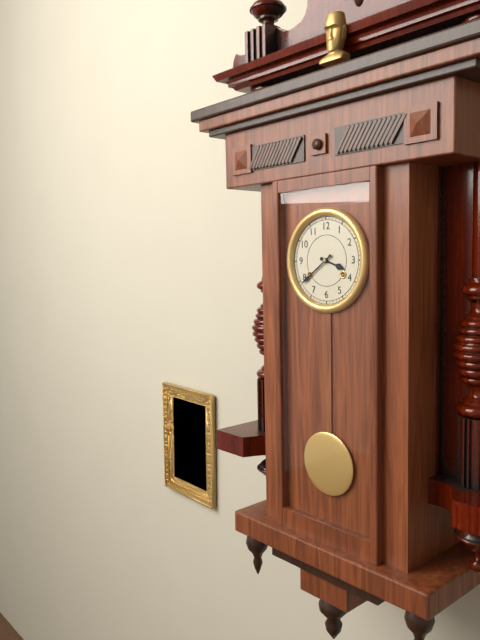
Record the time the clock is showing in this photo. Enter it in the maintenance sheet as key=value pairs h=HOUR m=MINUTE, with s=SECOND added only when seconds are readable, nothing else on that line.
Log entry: h=3 m=39
